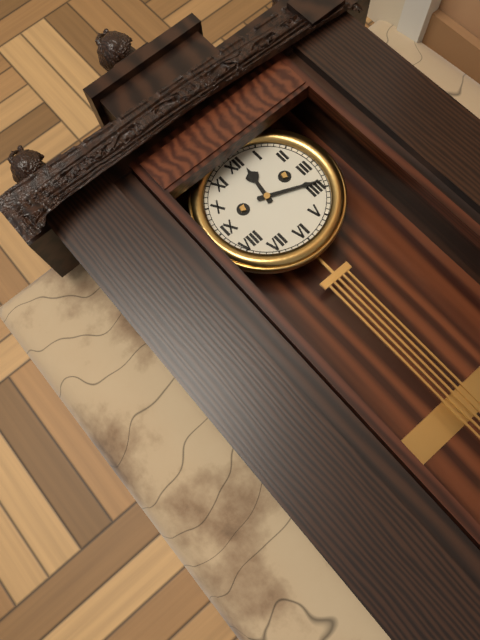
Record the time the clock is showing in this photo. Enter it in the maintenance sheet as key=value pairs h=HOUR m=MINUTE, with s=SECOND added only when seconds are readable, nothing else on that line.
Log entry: h=12 m=19
